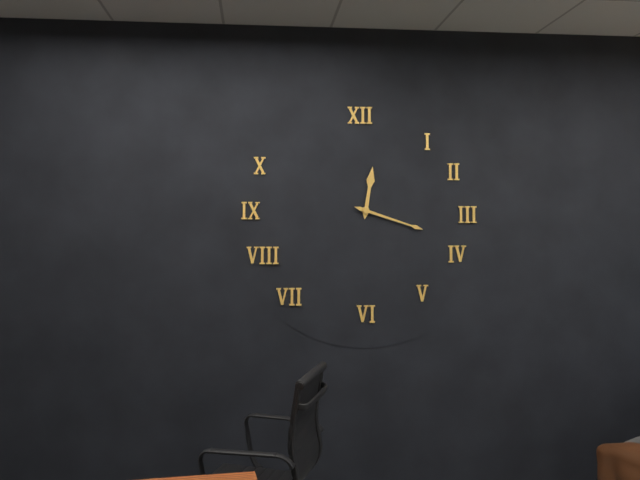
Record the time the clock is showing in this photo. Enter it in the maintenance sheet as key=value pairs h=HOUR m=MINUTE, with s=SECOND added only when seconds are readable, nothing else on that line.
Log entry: h=12 m=18
